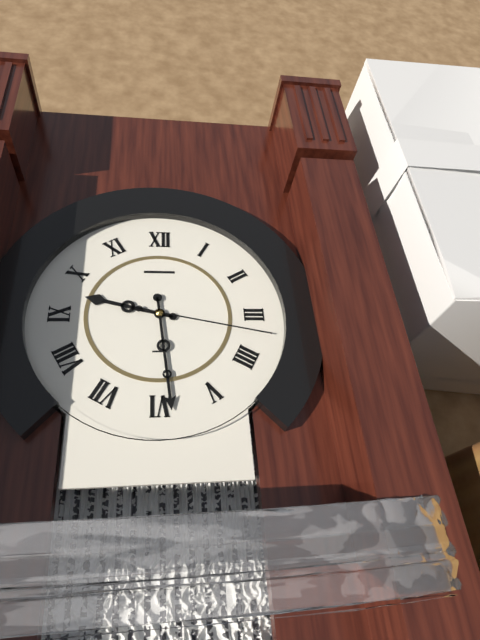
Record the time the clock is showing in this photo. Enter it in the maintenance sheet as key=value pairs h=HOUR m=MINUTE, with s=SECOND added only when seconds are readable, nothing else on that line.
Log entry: h=9 m=29 s=17
